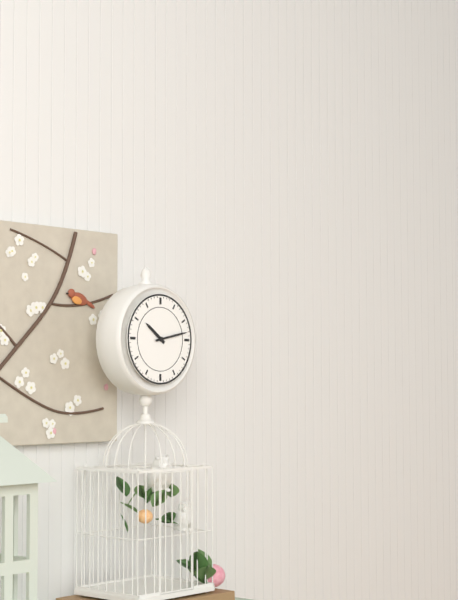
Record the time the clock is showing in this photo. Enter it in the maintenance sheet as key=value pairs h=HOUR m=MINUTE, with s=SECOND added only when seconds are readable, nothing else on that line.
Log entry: h=10 m=13
